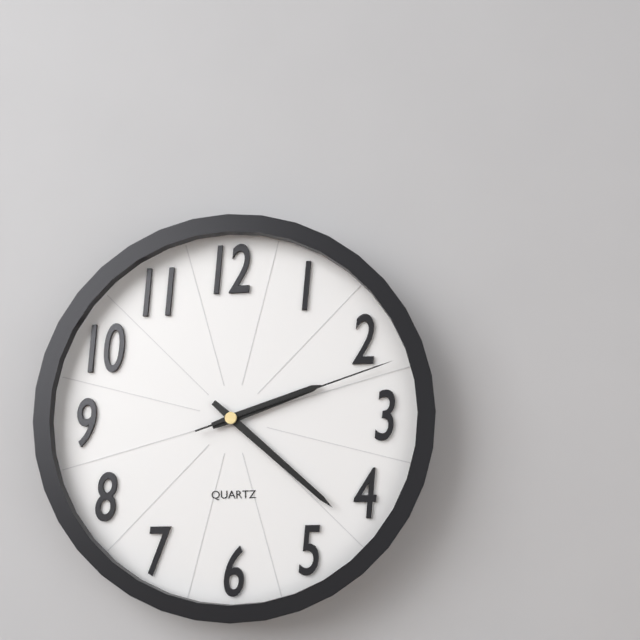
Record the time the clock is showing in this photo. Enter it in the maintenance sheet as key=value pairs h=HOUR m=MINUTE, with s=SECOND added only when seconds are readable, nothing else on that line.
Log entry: h=2 m=22 s=12
